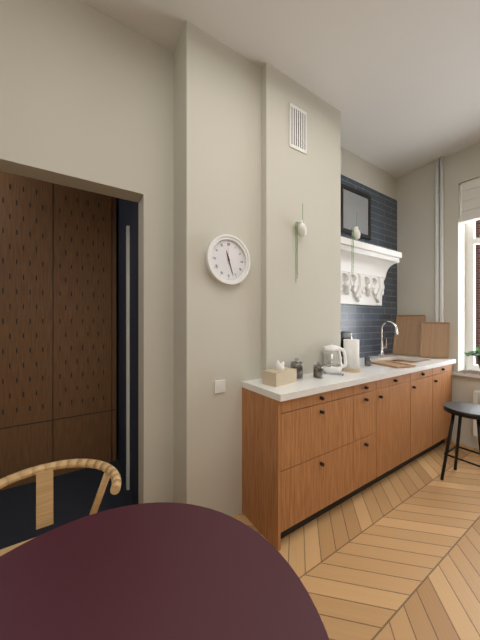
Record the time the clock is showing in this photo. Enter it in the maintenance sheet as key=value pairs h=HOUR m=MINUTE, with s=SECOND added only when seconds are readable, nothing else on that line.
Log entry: h=11 m=27
